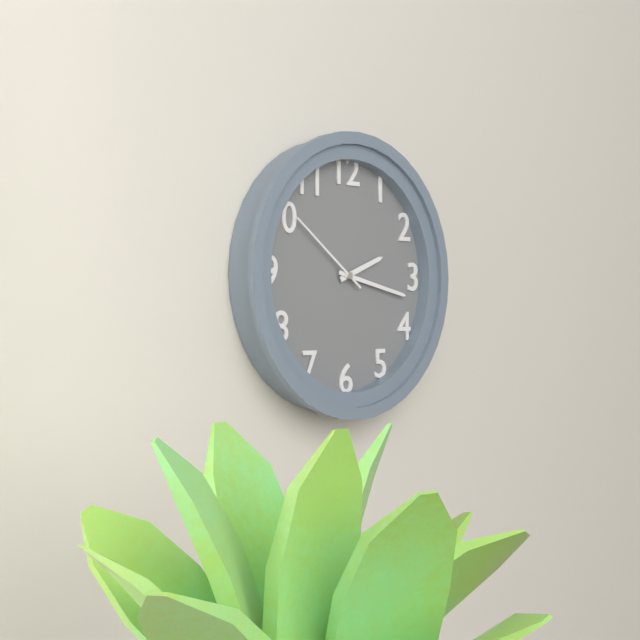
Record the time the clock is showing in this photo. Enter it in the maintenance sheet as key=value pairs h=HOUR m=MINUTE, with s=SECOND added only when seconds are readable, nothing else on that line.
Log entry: h=2 m=17 s=51
